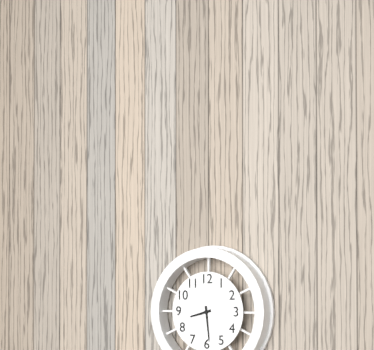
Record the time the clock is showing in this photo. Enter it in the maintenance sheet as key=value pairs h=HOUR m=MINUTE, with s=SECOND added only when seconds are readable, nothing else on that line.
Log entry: h=8 m=29
